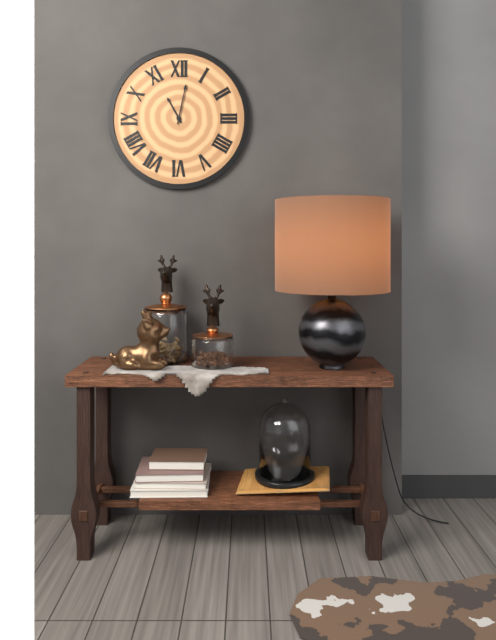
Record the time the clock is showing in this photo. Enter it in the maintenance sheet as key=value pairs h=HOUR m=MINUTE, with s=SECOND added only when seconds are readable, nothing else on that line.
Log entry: h=11 m=2
